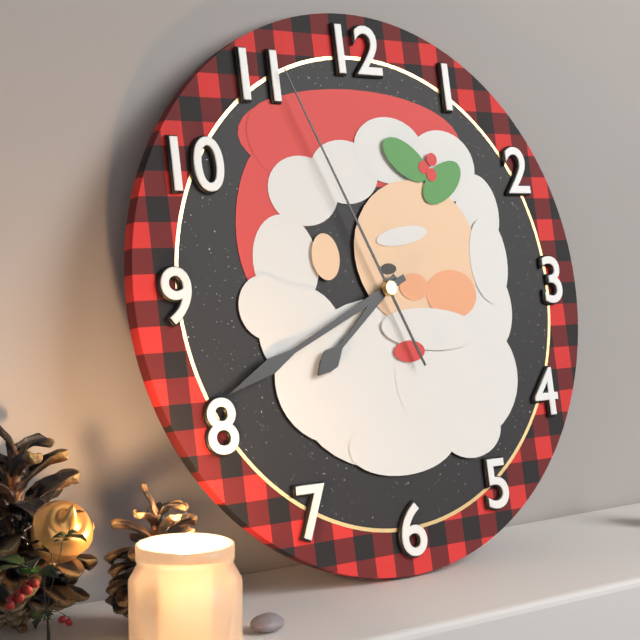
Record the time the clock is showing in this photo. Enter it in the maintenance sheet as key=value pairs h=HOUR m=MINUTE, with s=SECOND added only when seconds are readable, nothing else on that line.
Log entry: h=7 m=41 s=56
